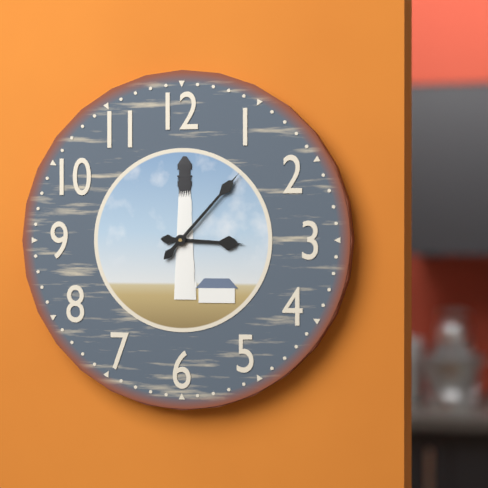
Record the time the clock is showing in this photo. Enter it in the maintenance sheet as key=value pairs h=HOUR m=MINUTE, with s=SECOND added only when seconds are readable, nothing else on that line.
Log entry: h=3 m=7
